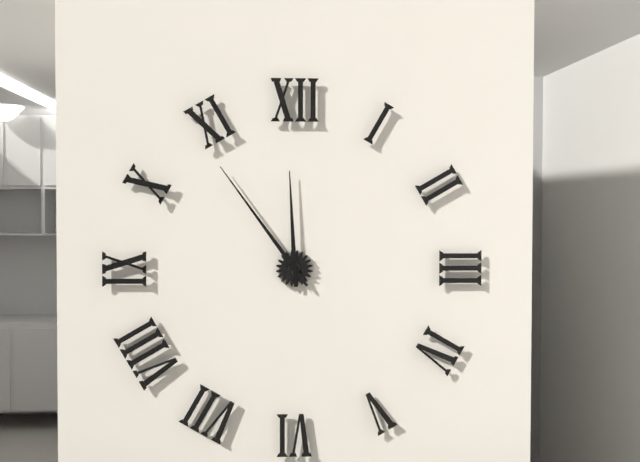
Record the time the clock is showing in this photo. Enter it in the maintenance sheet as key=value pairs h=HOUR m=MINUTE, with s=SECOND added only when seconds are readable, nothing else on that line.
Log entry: h=11 m=54
